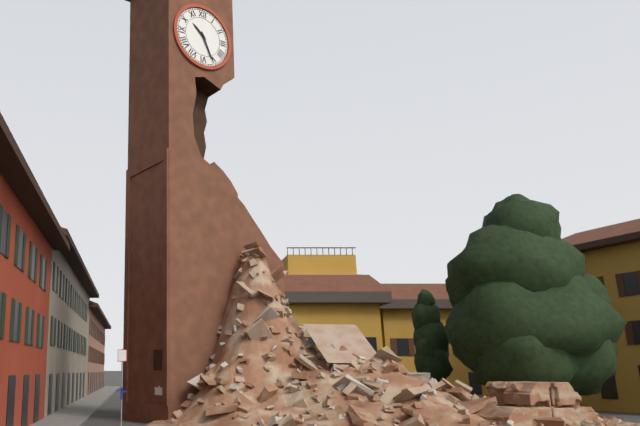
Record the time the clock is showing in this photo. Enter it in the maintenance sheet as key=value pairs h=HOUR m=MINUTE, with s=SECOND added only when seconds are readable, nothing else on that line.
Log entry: h=10 m=26
